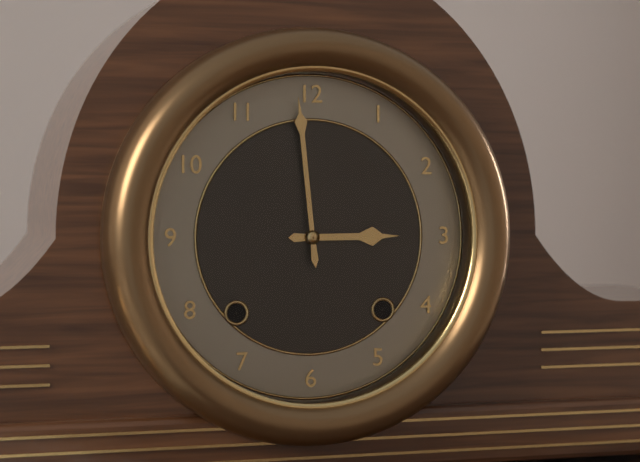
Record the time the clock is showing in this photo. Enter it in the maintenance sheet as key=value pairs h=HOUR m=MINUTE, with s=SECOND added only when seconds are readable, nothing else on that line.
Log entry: h=2 m=59
